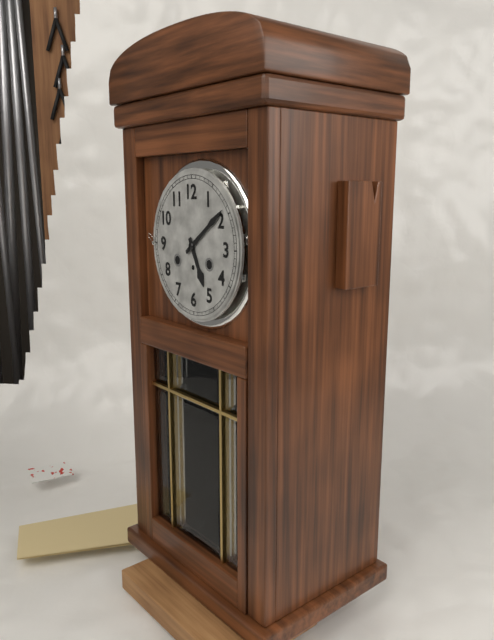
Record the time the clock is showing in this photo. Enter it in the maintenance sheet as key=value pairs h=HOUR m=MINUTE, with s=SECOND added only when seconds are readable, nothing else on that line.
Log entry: h=5 m=9
